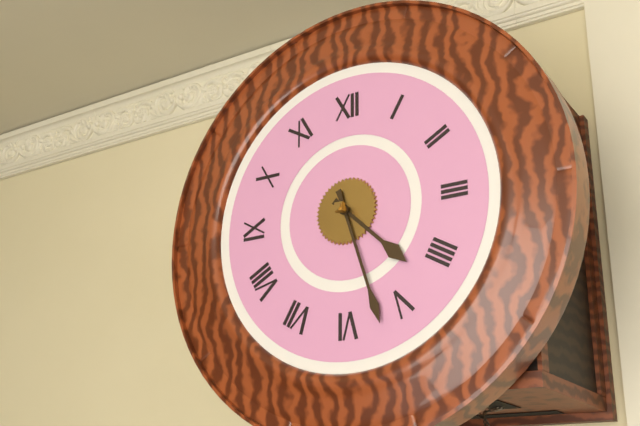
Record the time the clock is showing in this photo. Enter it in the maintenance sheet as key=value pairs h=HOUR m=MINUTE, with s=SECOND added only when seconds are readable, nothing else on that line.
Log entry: h=4 m=27
